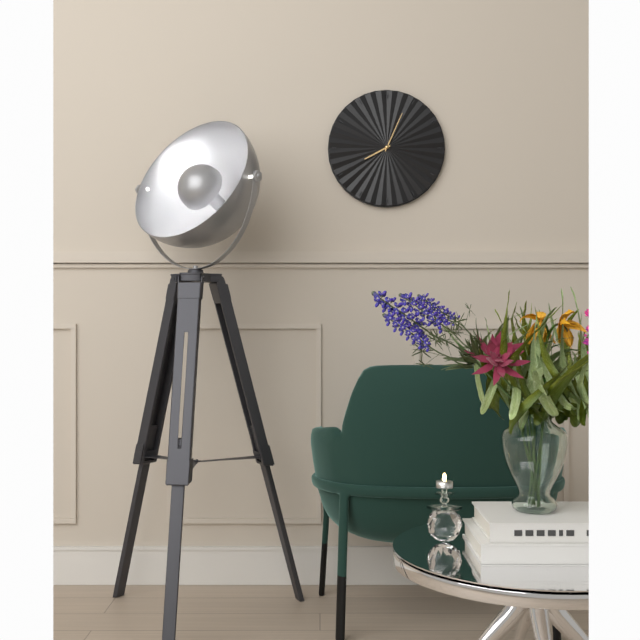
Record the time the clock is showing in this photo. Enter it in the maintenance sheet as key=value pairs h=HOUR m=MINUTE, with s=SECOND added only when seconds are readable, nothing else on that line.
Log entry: h=8 m=4
